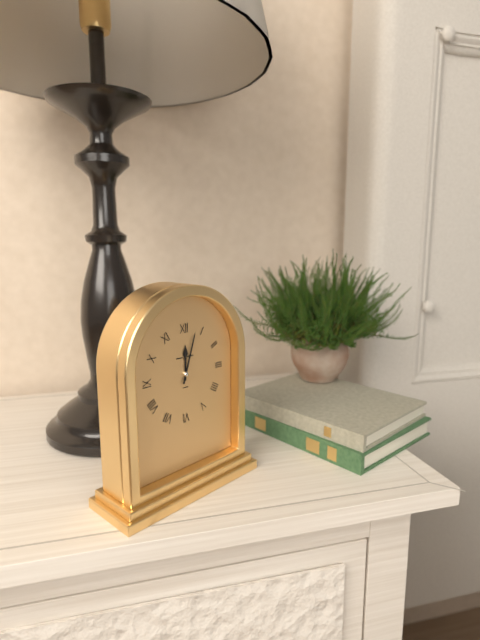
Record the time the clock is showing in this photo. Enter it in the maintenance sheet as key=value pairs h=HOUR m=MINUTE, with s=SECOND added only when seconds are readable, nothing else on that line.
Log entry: h=12 m=3
